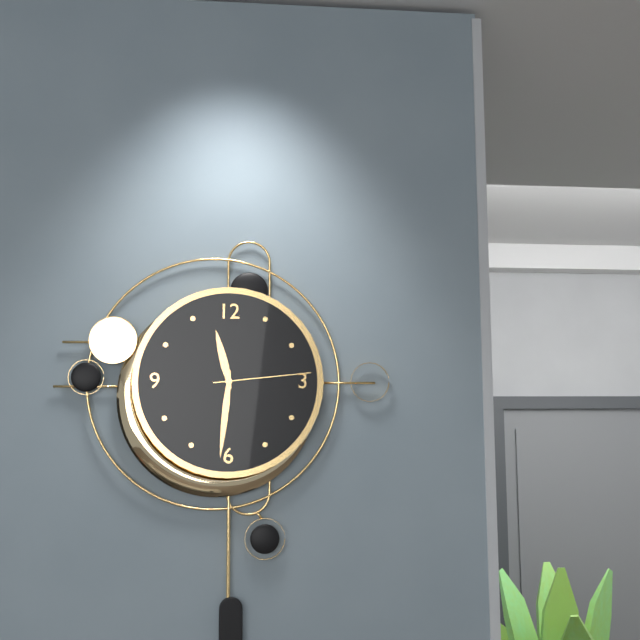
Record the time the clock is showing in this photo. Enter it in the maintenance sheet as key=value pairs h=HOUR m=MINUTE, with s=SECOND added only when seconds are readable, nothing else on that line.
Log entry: h=11 m=31 s=14
